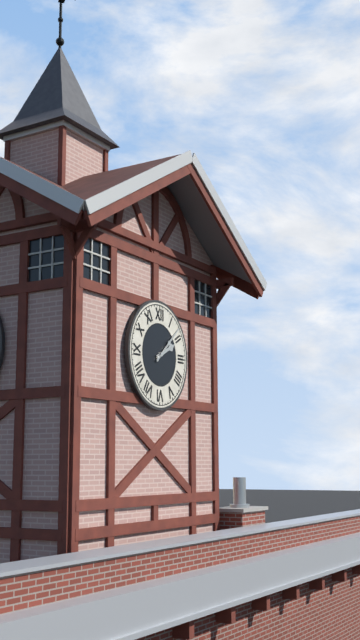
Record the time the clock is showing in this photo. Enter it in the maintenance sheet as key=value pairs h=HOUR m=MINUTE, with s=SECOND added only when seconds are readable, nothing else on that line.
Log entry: h=2 m=8
